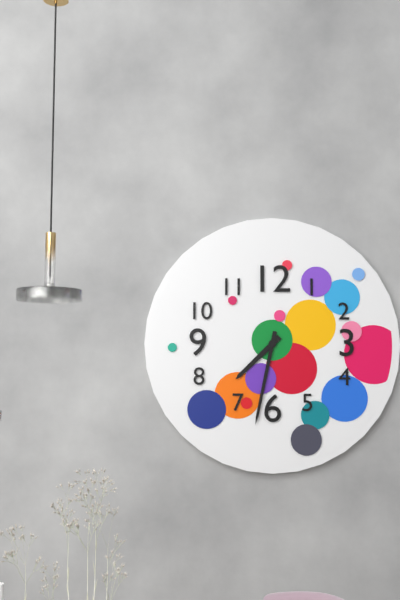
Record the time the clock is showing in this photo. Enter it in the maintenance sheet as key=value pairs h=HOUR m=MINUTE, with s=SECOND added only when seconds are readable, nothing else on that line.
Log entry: h=7 m=32
